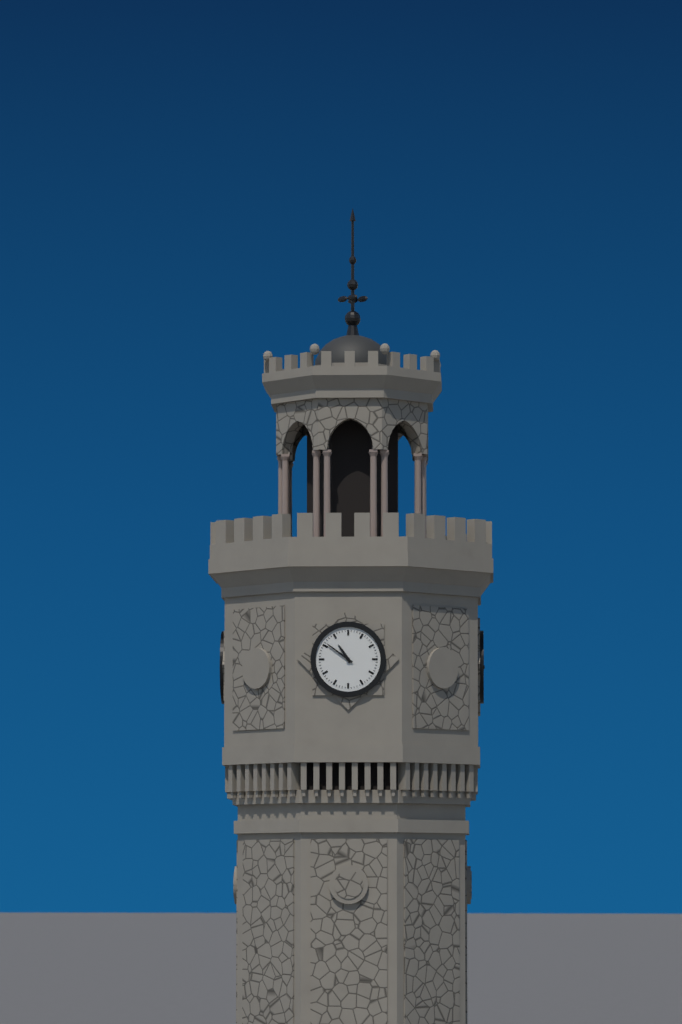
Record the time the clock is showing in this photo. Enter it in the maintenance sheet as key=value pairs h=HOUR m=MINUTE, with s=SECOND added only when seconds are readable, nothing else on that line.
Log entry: h=10 m=51
